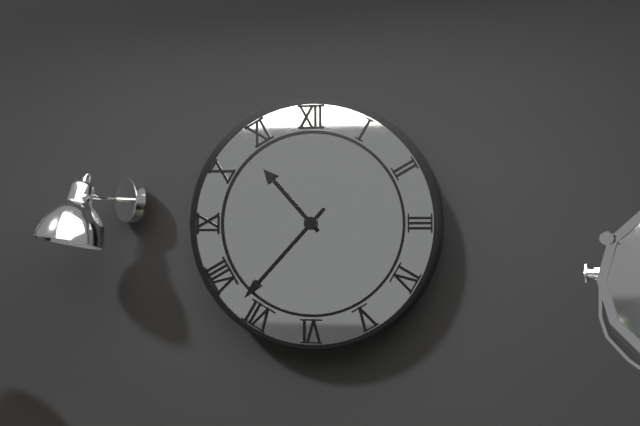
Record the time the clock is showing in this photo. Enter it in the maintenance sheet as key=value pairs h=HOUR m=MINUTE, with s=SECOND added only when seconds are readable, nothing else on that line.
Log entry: h=10 m=37
